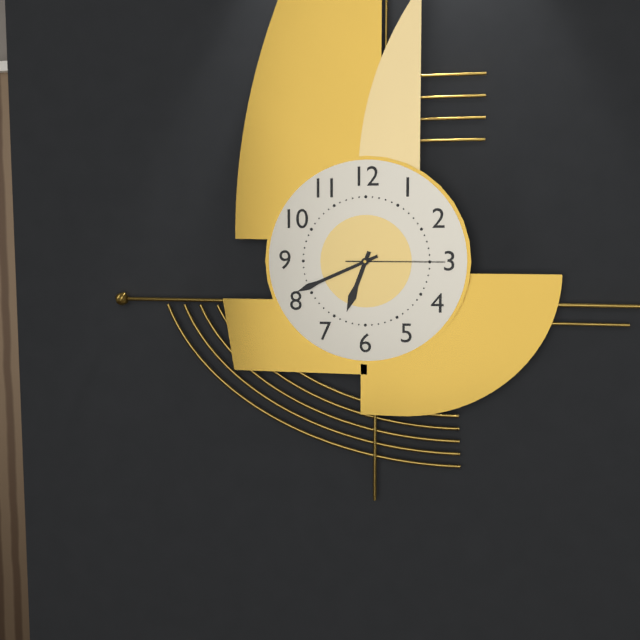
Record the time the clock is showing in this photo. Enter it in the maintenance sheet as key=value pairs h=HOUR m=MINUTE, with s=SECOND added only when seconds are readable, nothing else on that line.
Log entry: h=6 m=41 s=15
